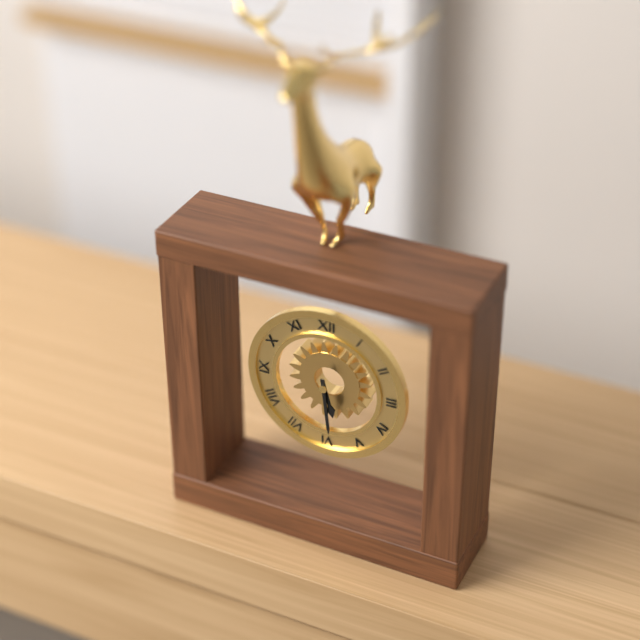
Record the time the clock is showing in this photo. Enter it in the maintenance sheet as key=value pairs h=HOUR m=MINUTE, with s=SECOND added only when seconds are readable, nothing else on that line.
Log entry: h=5 m=29
